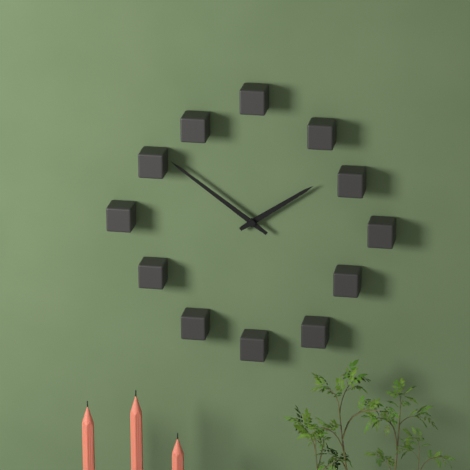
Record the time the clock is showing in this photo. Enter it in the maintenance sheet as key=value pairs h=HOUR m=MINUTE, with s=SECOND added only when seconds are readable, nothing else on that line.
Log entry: h=1 m=51
